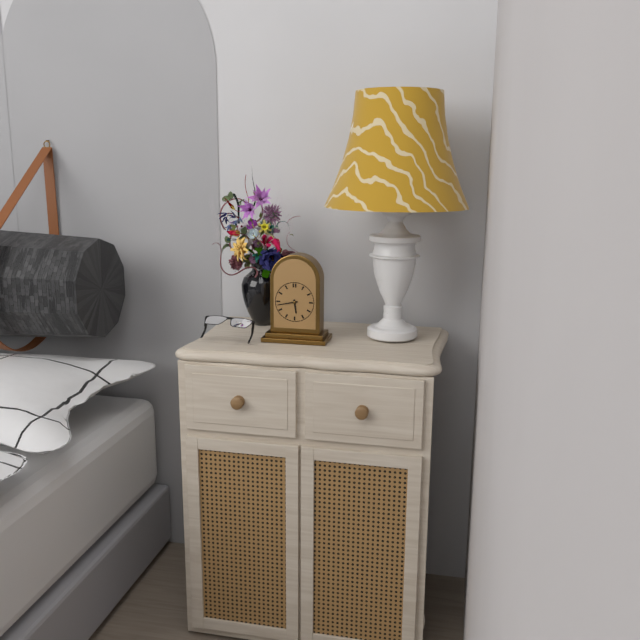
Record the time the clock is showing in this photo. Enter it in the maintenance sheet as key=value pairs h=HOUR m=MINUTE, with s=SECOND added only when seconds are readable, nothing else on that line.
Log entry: h=5 m=43
